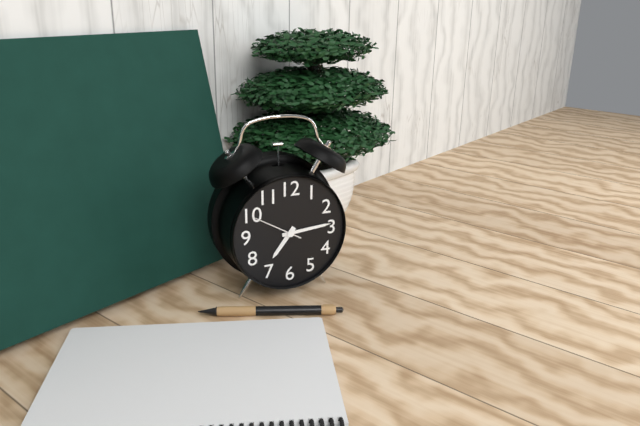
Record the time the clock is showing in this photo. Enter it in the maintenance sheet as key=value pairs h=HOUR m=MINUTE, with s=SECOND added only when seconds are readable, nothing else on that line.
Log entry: h=7 m=14 s=50
